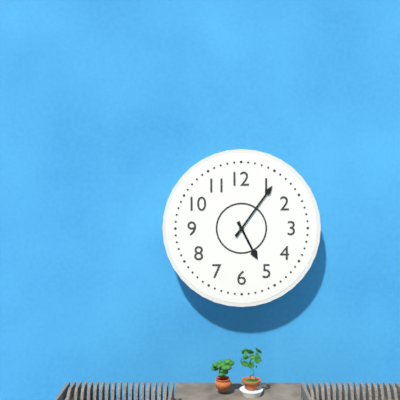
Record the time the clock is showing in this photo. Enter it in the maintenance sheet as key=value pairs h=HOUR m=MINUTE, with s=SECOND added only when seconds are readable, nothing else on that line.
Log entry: h=5 m=6
